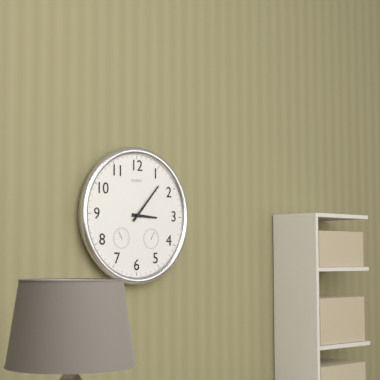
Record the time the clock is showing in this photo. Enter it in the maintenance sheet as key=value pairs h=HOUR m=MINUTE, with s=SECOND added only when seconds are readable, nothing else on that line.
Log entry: h=3 m=7
